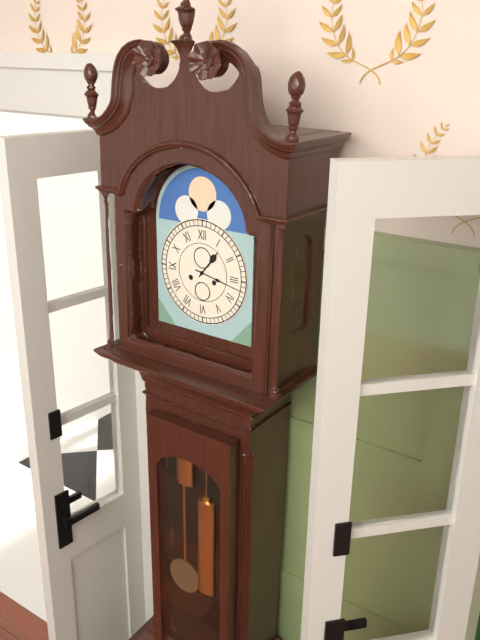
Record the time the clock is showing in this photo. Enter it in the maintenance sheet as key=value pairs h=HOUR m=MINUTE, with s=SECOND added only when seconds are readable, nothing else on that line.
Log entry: h=1 m=17
